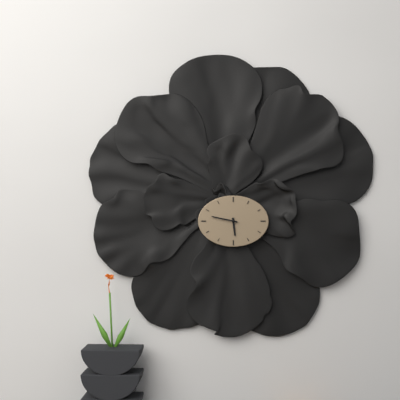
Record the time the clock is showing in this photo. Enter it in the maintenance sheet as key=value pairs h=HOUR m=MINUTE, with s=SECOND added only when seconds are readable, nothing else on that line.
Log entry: h=5 m=47
